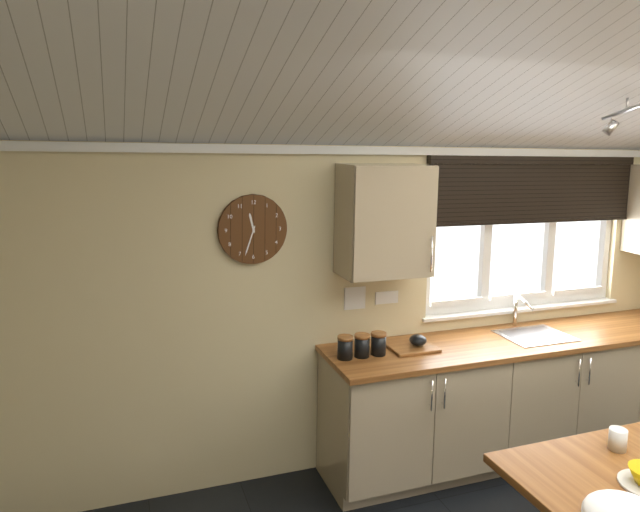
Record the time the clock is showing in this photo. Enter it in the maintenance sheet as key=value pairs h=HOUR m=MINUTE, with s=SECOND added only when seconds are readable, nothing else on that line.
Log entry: h=11 m=33
